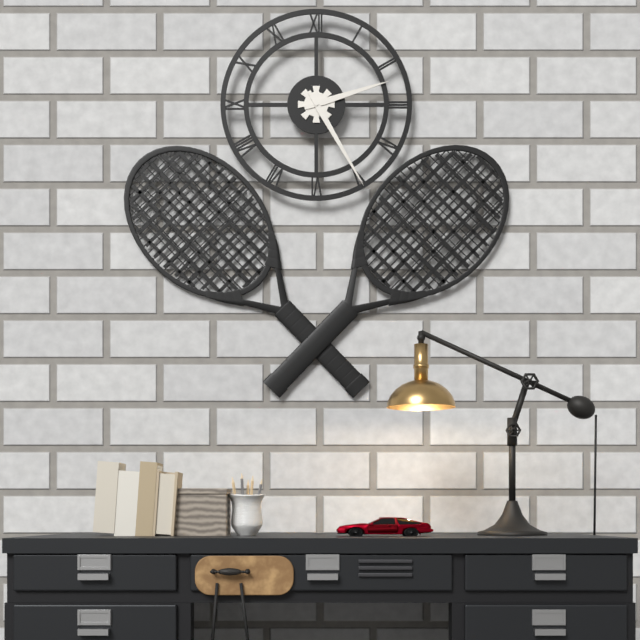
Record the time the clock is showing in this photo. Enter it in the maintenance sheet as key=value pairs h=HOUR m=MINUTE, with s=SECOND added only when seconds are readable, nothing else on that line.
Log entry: h=2 m=25
